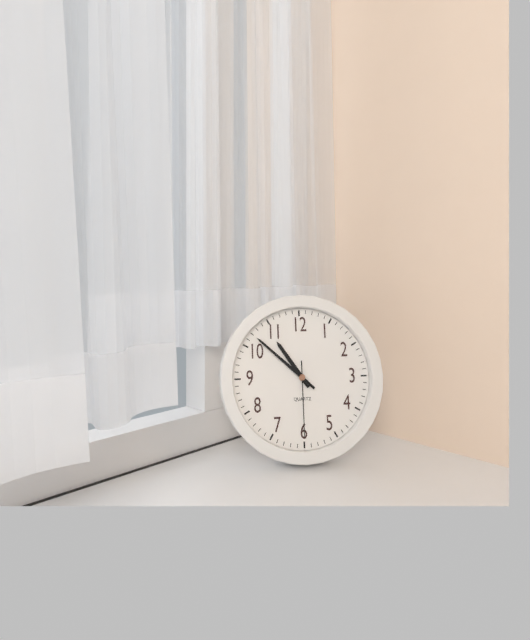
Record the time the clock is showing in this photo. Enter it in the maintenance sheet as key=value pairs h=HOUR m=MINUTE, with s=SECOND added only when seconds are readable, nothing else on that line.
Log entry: h=10 m=52 s=30
